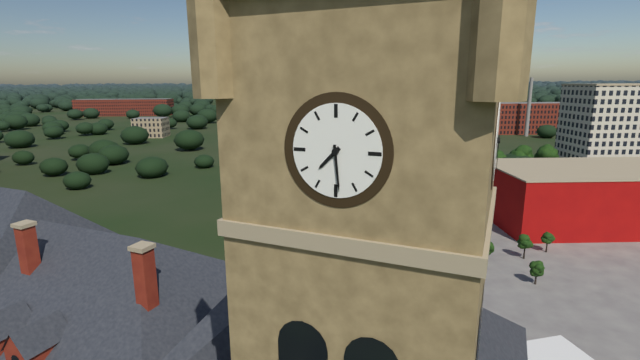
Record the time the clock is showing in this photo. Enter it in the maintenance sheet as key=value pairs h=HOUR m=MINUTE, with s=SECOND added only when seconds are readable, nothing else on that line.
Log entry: h=7 m=29
